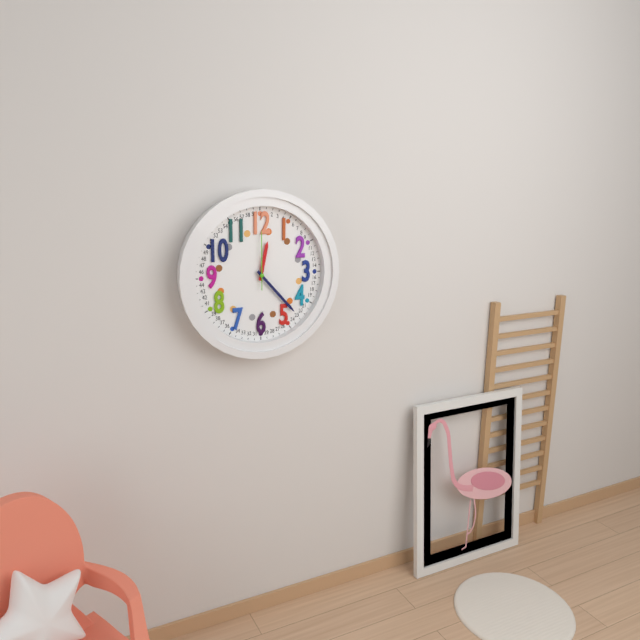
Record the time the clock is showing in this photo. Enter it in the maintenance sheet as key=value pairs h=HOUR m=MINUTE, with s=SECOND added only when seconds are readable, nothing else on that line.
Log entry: h=12 m=23 s=0
